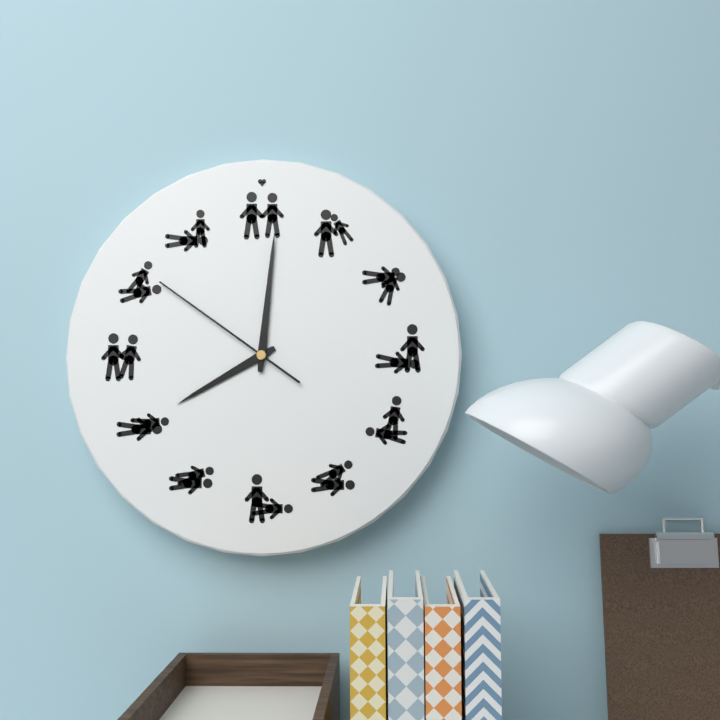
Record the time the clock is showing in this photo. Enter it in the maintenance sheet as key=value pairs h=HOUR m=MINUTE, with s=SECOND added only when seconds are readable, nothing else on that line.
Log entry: h=8 m=1 s=51
